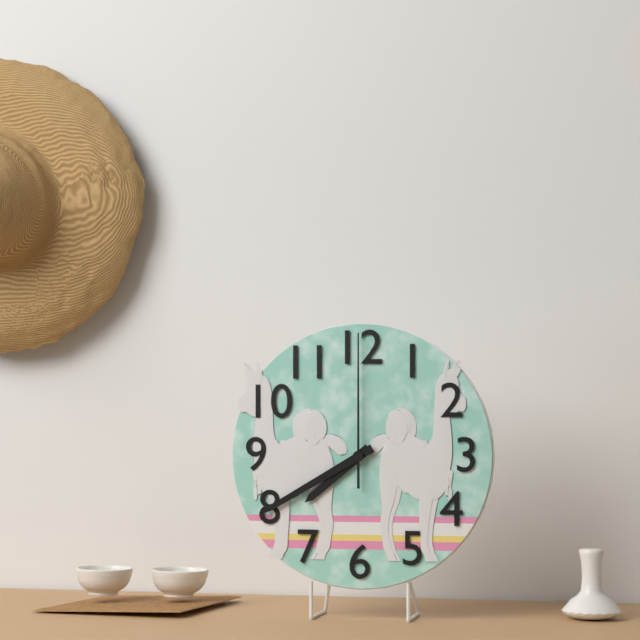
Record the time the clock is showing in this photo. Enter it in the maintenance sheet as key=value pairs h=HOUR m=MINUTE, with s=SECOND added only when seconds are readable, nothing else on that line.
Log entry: h=7 m=40 s=0
